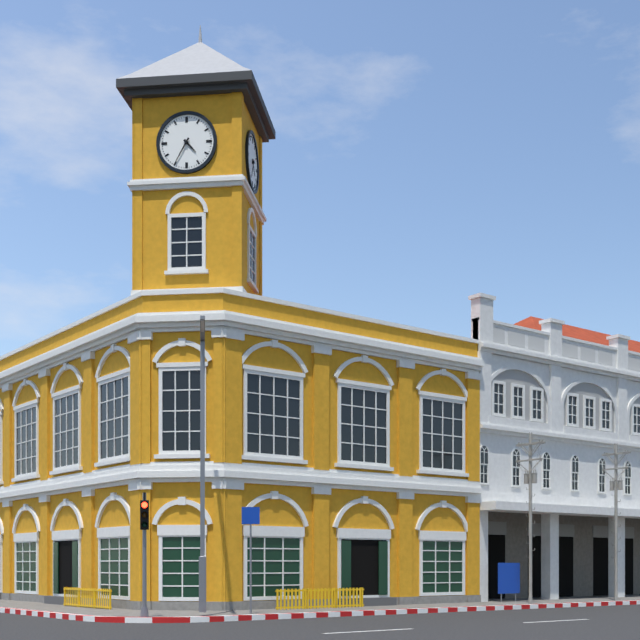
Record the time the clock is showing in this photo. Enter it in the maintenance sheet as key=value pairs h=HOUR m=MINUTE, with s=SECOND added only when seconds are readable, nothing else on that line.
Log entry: h=4 m=35
